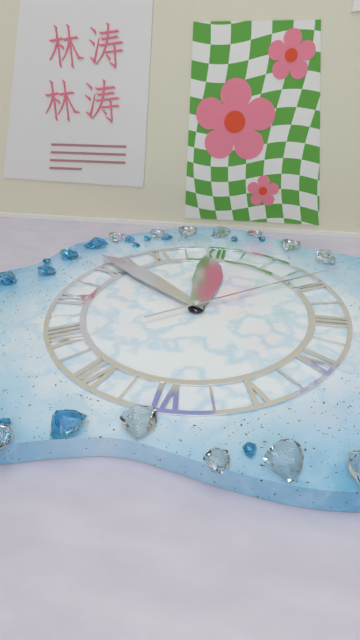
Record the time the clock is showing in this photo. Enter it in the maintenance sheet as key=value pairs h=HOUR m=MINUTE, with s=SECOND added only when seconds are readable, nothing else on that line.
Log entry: h=11 m=51 s=9
